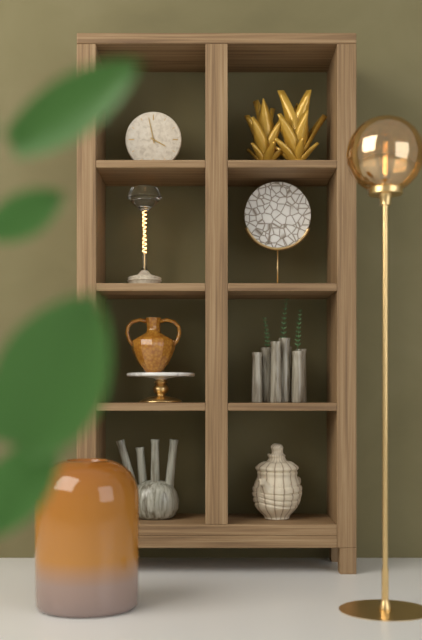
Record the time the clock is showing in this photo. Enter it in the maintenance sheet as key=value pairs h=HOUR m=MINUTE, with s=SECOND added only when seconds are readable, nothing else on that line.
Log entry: h=3 m=58
